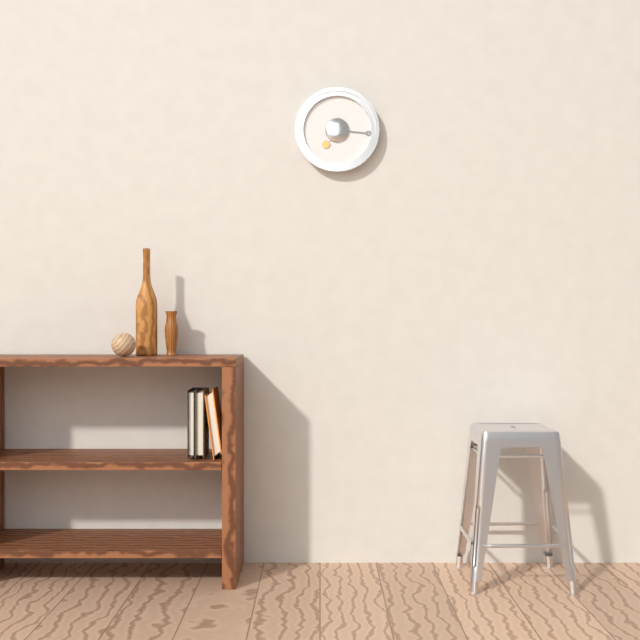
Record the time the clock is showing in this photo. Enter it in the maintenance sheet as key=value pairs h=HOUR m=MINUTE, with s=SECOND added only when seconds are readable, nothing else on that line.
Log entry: h=7 m=16
